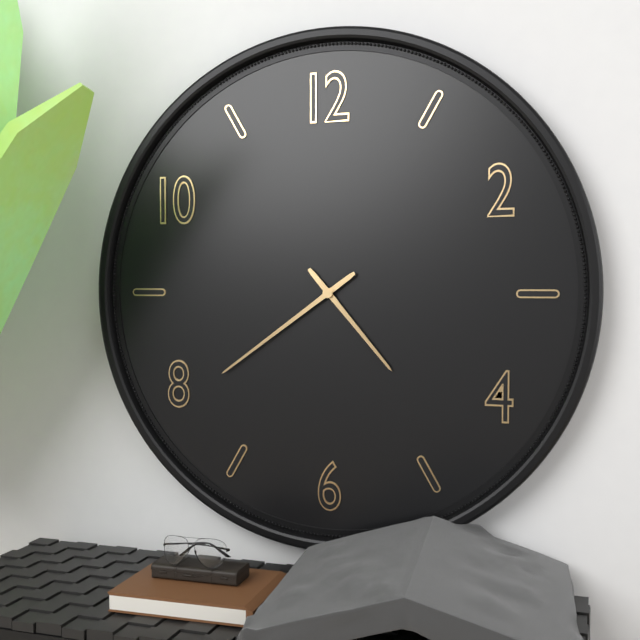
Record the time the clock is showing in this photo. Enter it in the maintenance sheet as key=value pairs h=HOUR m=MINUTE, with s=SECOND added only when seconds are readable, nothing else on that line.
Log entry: h=4 m=39
